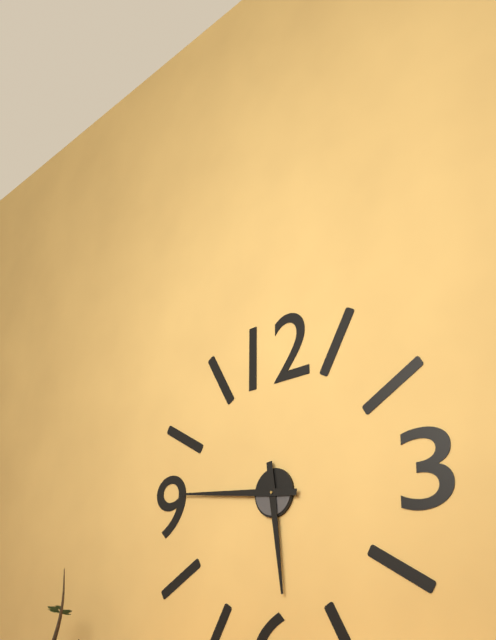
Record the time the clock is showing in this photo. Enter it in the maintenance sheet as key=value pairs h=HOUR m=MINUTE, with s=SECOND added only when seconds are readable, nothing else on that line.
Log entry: h=5 m=46
